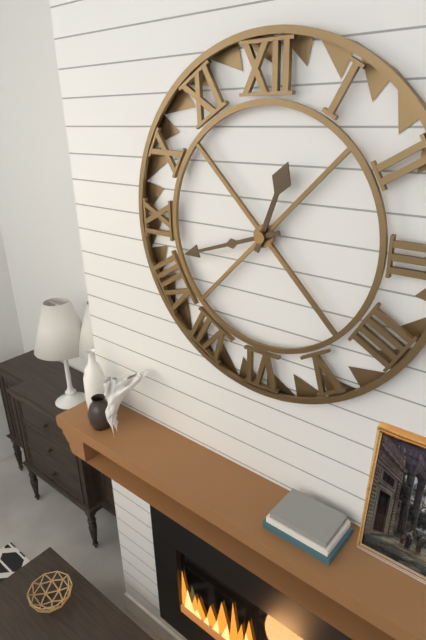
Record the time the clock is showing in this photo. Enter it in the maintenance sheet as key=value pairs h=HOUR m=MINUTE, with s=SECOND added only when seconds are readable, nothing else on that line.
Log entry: h=12 m=42
